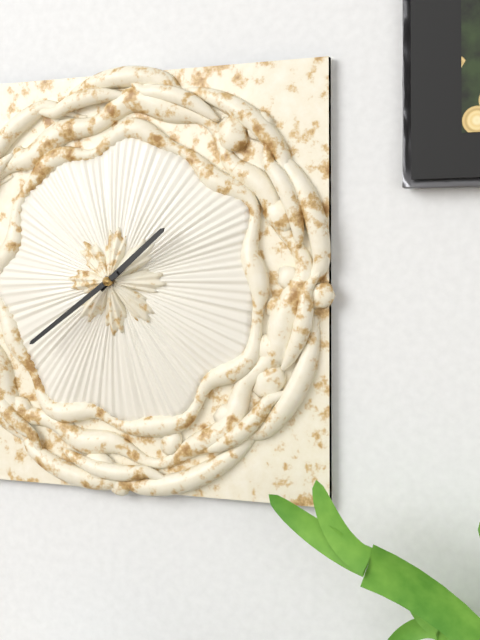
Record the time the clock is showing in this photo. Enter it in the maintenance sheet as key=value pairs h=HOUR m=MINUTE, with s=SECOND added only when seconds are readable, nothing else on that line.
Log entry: h=1 m=39
